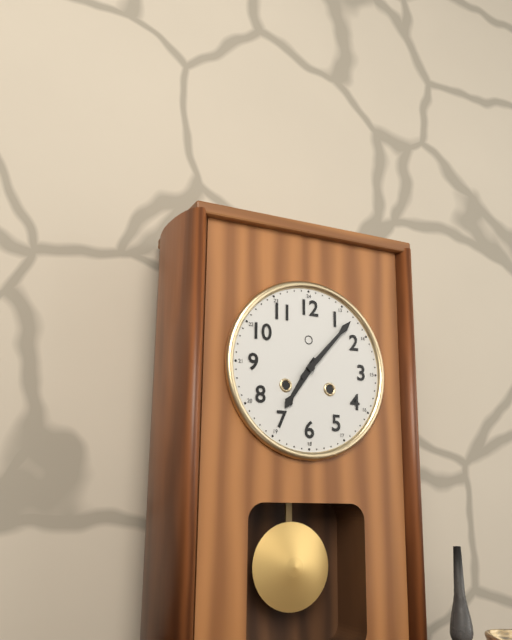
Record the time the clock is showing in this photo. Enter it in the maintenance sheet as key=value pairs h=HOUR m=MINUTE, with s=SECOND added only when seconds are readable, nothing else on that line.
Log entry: h=7 m=7
